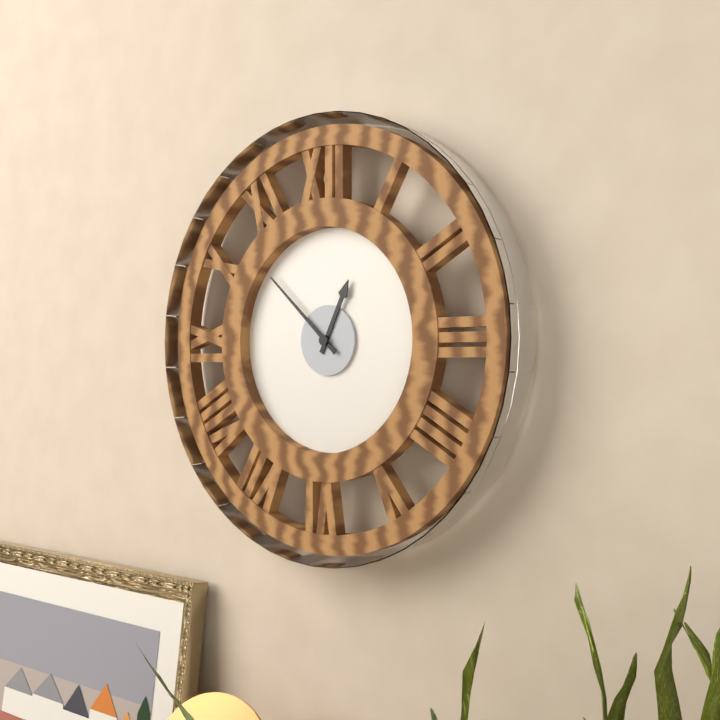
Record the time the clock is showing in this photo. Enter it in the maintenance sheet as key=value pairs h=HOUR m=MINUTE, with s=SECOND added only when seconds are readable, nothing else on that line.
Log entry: h=12 m=52
